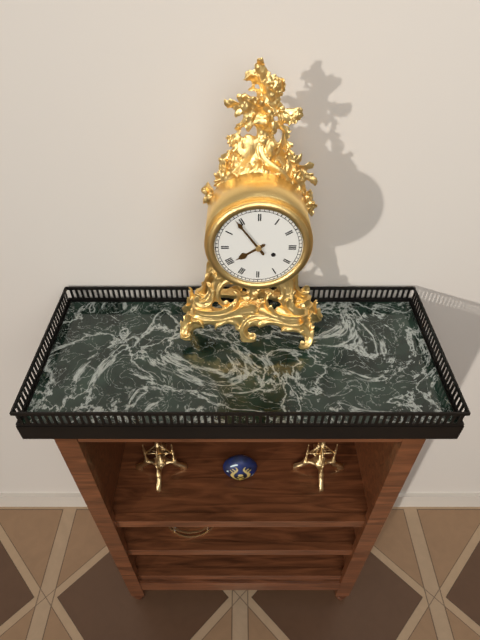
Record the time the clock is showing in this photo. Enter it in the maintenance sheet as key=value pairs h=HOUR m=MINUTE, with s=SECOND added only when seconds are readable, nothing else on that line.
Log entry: h=7 m=54
